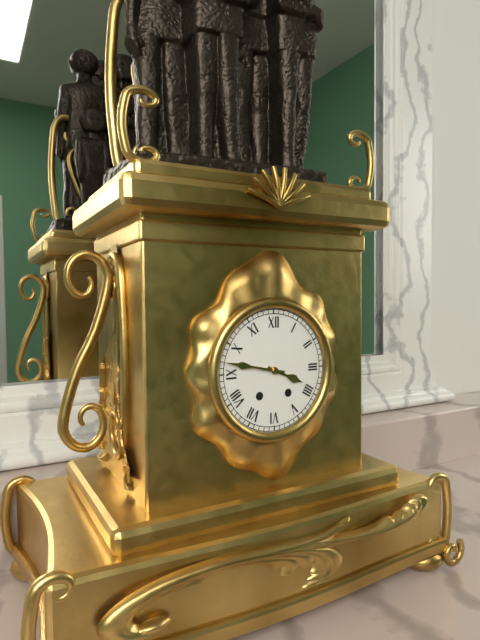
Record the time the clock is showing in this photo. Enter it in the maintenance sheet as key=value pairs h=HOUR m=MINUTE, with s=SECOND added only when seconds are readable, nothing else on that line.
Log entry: h=3 m=47
